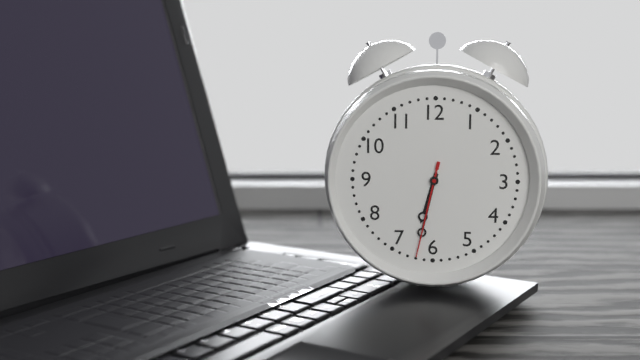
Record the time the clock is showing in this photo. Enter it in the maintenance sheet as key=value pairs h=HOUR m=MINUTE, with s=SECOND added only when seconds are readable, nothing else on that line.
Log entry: h=6 m=32 s=32
